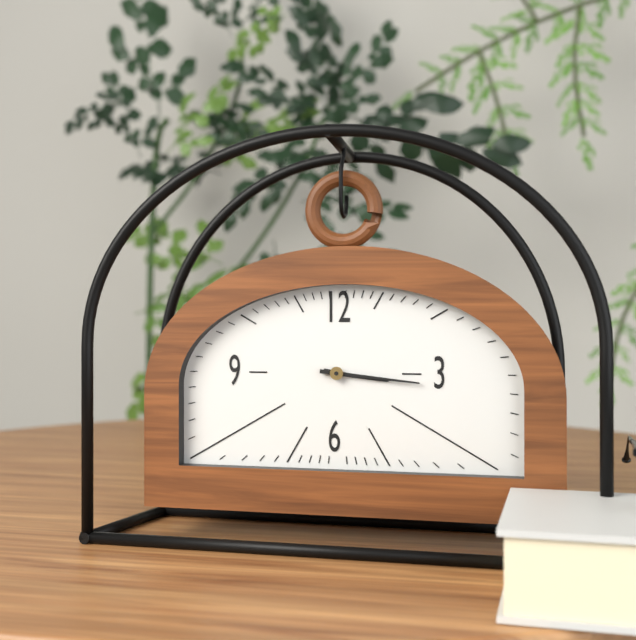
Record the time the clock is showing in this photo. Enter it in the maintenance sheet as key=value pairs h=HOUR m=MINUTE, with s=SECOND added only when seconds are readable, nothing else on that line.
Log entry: h=3 m=16
